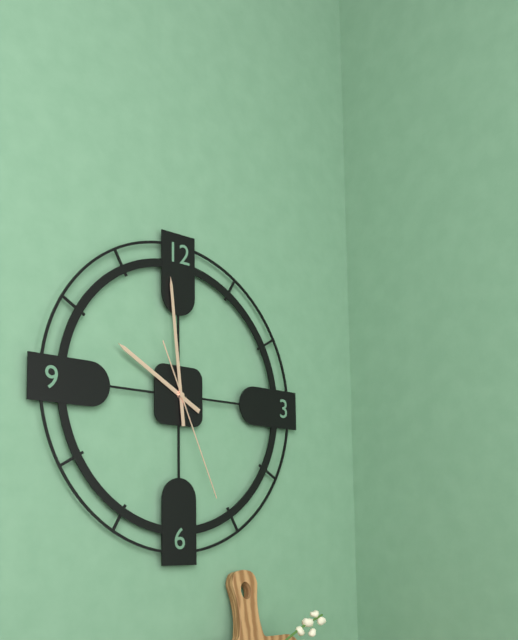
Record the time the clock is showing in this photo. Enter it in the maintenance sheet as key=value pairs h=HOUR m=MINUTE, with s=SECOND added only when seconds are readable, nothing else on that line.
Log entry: h=9 m=59 s=26
